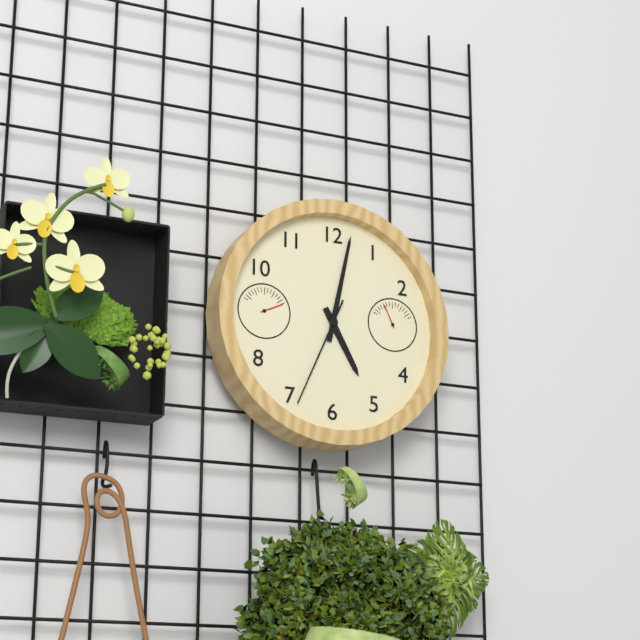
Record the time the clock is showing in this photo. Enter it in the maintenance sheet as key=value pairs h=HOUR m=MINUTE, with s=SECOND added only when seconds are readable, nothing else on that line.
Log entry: h=5 m=2 s=34
